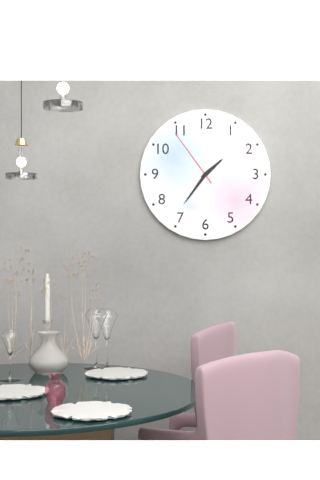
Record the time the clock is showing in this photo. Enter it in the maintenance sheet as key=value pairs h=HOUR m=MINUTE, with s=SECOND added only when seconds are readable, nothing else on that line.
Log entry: h=1 m=36 s=54
